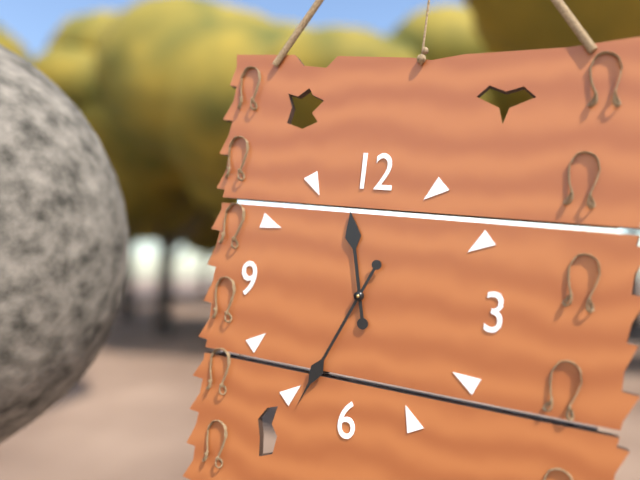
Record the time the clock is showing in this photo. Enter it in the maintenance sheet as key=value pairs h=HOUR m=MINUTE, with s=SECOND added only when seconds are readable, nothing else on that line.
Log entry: h=11 m=34
